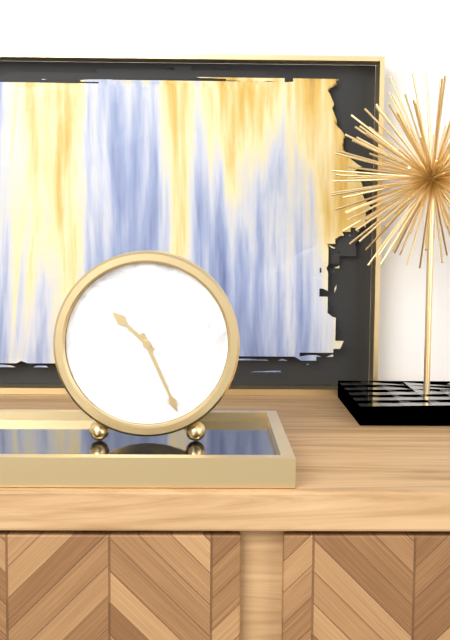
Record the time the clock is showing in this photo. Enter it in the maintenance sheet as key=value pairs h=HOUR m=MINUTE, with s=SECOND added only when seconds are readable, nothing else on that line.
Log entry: h=10 m=26
